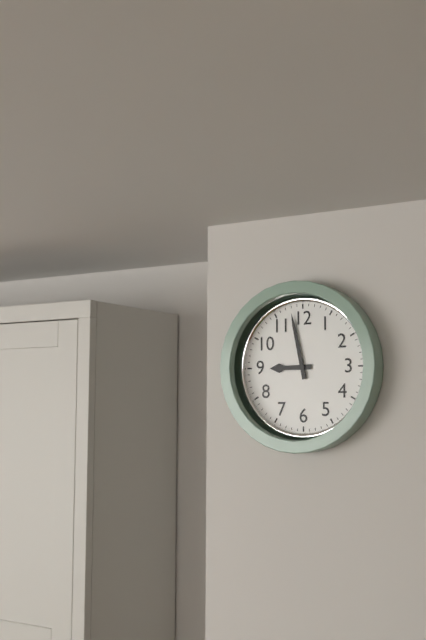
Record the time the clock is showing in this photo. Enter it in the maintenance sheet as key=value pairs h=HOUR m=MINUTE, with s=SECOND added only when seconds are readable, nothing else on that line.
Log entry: h=8 m=58
